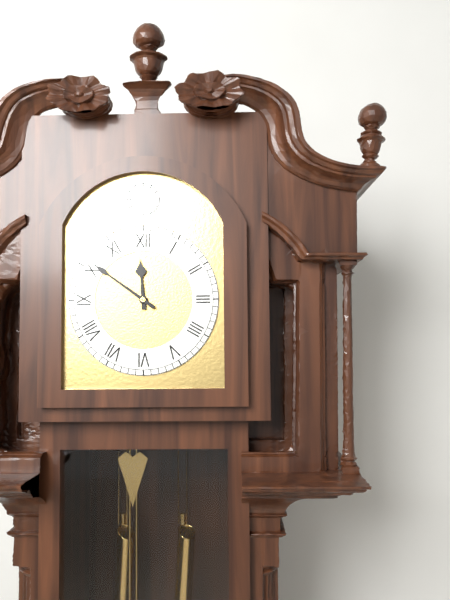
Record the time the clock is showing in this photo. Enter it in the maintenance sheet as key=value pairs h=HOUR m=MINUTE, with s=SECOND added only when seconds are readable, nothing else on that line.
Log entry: h=11 m=51
